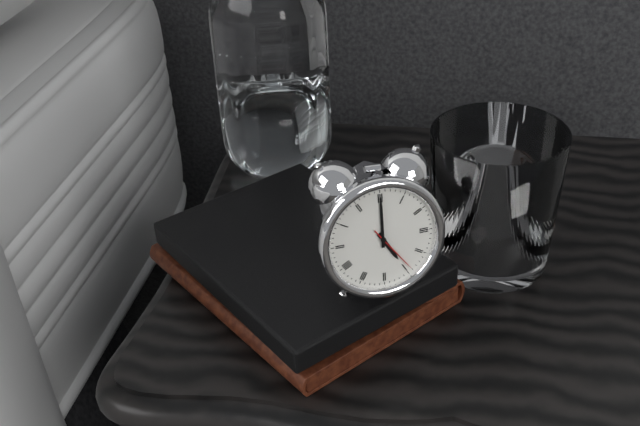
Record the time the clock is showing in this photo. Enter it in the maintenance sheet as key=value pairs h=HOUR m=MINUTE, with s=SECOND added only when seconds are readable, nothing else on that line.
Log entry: h=5 m=0 s=24
